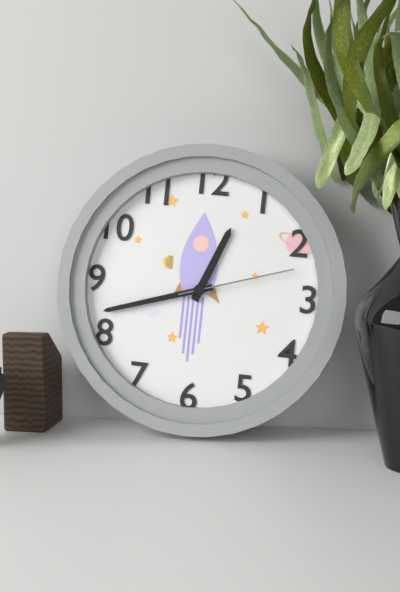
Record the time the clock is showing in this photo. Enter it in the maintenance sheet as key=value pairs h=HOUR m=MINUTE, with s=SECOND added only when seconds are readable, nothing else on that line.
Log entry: h=12 m=42 s=12
